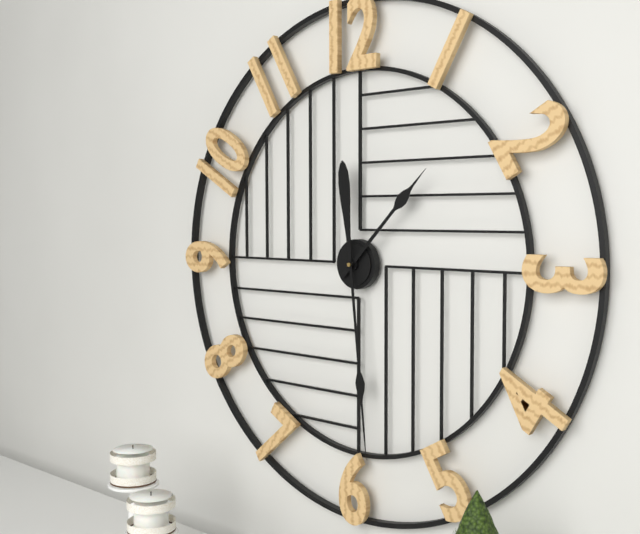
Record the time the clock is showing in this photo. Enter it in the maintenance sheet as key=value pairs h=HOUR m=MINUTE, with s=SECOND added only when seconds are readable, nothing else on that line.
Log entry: h=1 m=29
